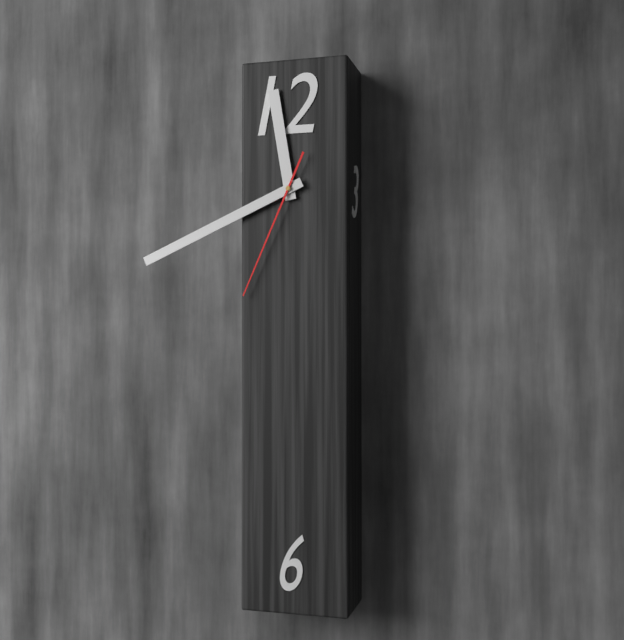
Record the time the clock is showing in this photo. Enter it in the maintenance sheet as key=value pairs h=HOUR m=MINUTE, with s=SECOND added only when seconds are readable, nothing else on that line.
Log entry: h=11 m=41 s=34
